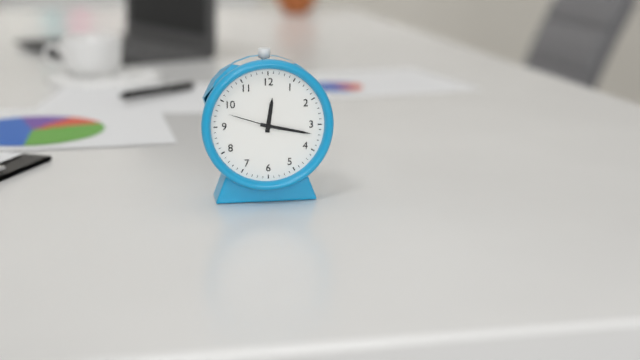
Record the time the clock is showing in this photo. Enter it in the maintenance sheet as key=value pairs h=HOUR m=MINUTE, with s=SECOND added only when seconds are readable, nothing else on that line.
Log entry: h=12 m=17 s=48
